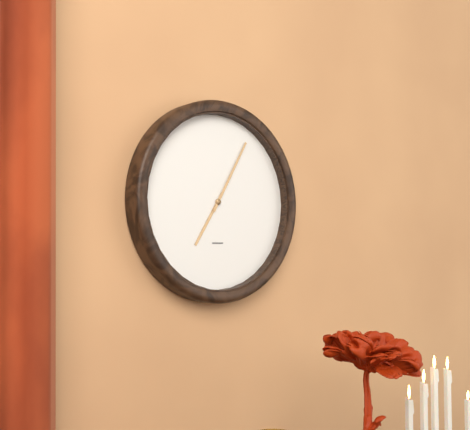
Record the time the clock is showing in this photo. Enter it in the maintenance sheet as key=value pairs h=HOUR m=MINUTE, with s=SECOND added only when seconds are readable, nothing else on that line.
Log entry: h=7 m=5
